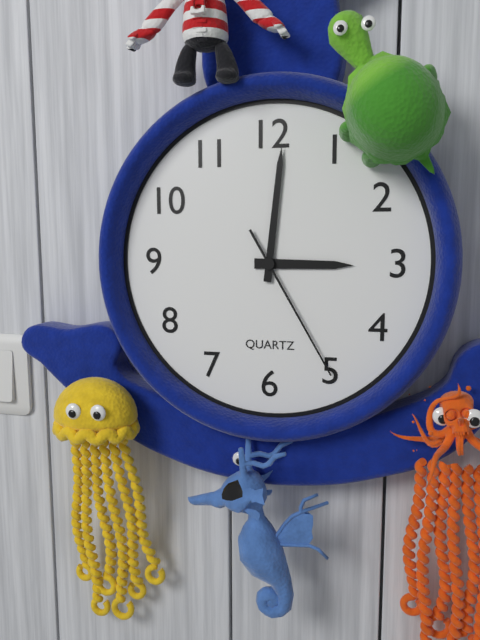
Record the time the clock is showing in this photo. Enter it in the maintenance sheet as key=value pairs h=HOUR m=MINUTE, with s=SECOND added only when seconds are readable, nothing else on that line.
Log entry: h=3 m=1 s=25
